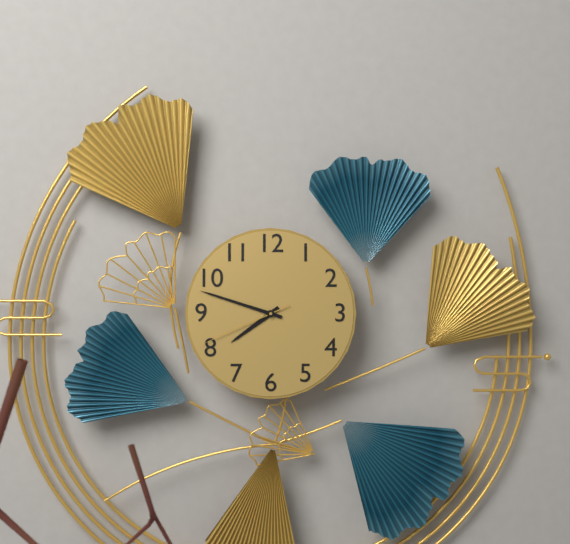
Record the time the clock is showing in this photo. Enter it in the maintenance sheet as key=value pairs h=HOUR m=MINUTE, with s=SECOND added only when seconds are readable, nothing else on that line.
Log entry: h=7 m=48 s=41
